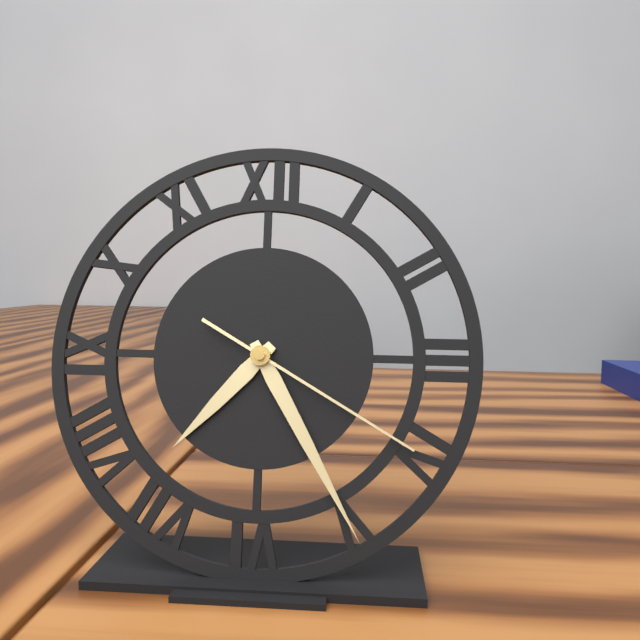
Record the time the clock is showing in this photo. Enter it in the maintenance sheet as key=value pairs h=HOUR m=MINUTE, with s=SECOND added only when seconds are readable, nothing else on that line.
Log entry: h=7 m=25 s=20
